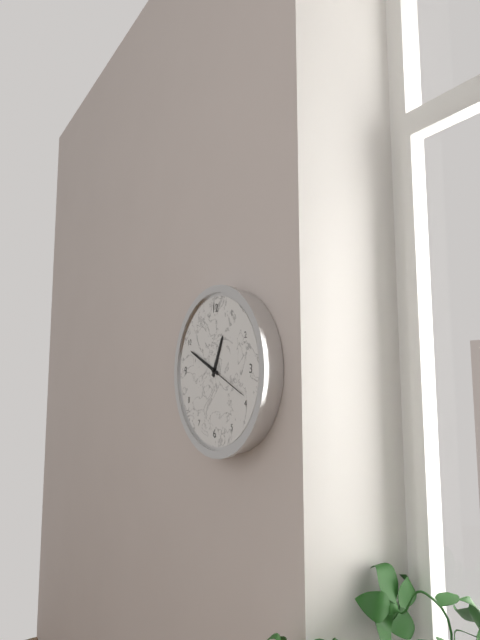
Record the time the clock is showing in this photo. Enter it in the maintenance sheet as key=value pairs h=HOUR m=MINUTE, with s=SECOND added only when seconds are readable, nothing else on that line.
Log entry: h=12 m=49
